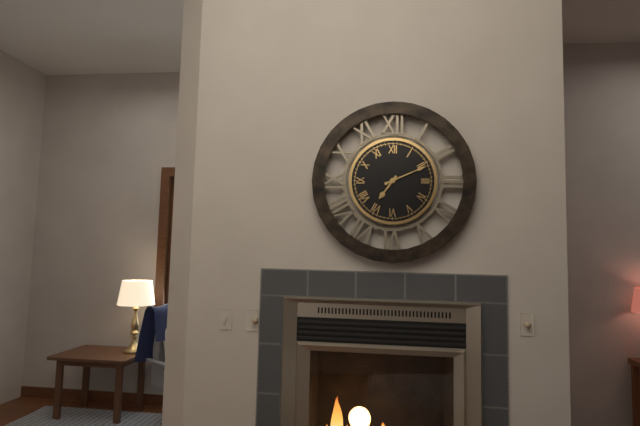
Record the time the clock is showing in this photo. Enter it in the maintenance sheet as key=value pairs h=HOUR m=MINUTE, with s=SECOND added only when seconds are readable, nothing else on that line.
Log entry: h=7 m=11
